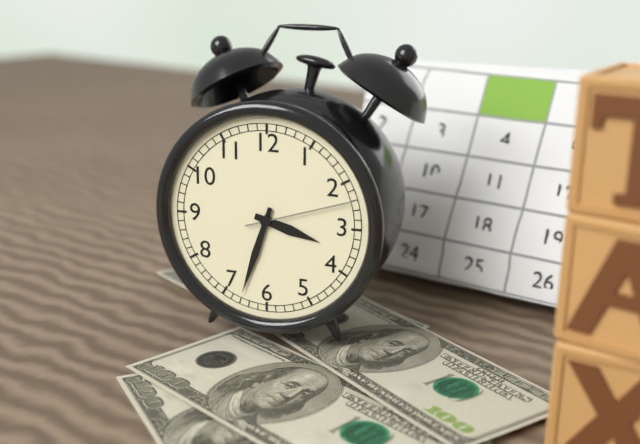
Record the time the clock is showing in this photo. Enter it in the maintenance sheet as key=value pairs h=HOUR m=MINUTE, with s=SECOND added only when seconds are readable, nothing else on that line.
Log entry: h=3 m=33 s=12
